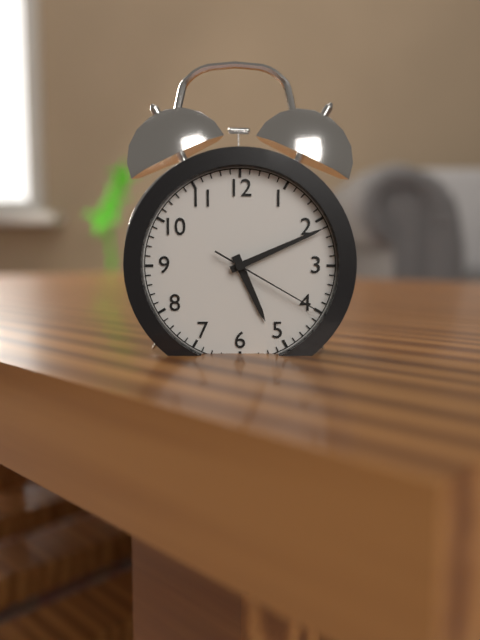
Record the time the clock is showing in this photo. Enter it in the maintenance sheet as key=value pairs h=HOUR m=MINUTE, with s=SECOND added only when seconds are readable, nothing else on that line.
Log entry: h=5 m=11 s=20
